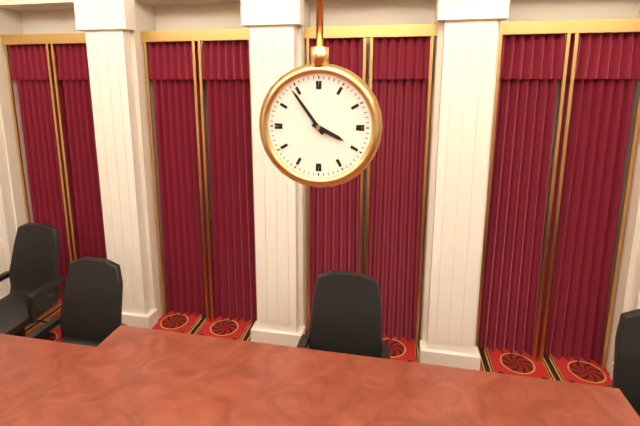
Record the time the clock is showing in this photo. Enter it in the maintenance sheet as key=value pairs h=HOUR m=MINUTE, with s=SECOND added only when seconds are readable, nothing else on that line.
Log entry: h=3 m=54
